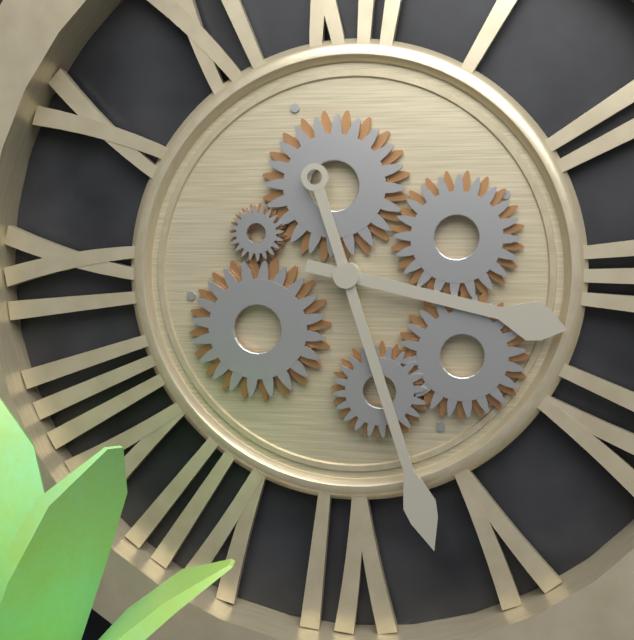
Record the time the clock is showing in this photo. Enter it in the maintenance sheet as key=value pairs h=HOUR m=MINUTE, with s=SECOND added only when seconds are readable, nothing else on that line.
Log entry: h=3 m=27
